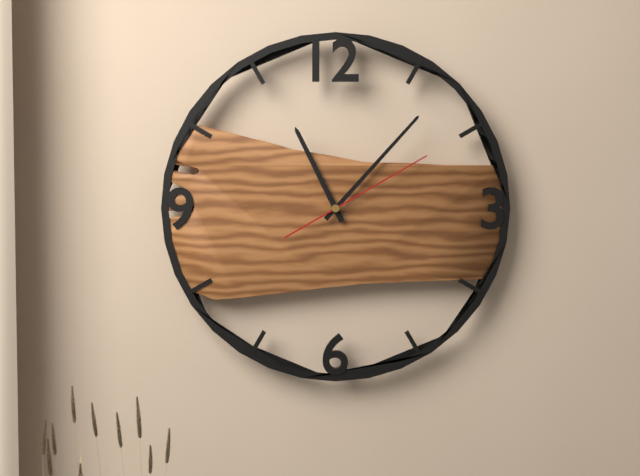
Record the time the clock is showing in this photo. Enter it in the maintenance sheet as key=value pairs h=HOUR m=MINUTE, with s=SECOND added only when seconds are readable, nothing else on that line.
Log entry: h=11 m=7 s=10
